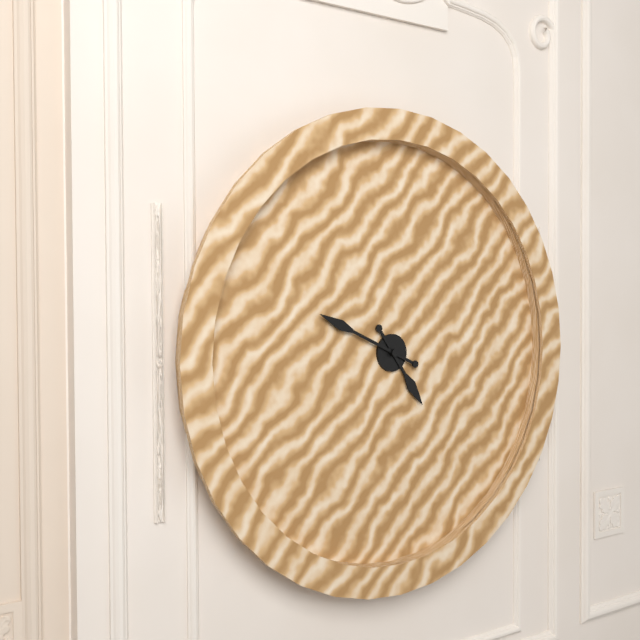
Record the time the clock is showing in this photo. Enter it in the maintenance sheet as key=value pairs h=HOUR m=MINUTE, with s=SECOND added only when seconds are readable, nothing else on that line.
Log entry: h=4 m=49
